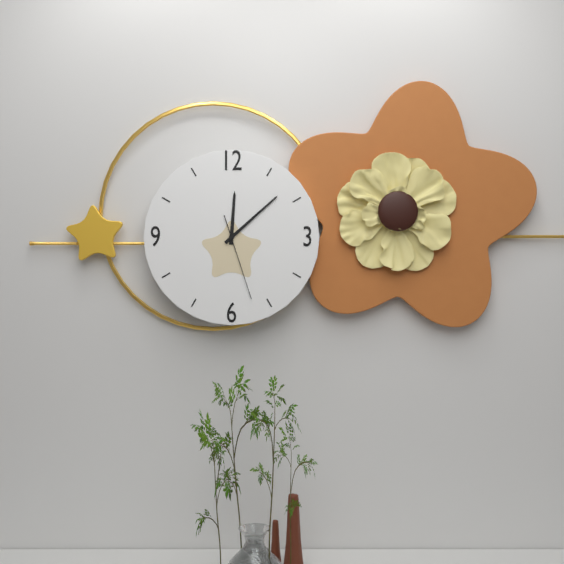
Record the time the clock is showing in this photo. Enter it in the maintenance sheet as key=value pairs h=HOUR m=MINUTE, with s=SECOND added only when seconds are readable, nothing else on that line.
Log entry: h=12 m=8 s=27
